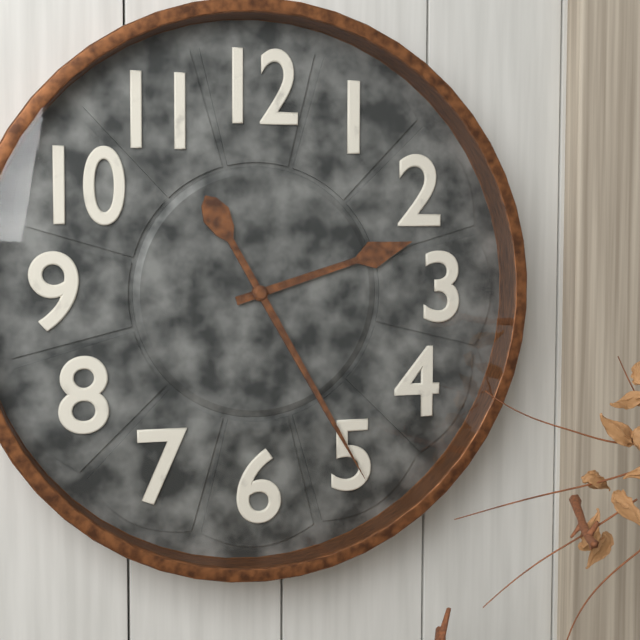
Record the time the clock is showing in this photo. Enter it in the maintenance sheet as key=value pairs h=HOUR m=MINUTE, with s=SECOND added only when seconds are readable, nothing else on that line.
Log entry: h=2 m=25
